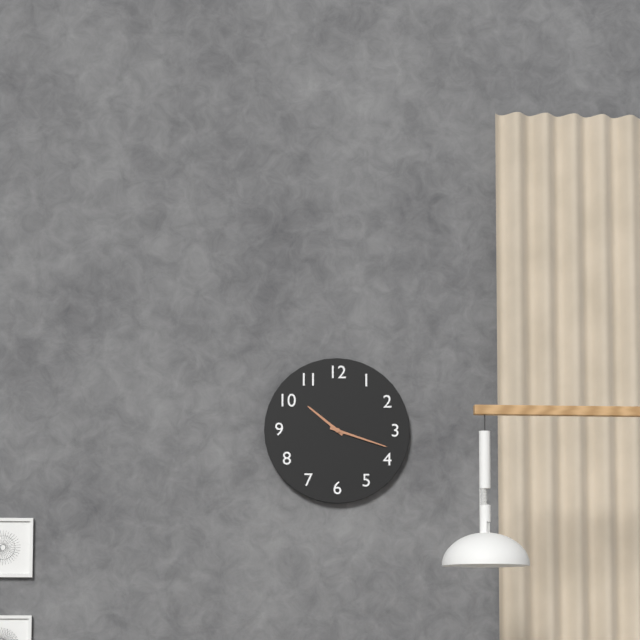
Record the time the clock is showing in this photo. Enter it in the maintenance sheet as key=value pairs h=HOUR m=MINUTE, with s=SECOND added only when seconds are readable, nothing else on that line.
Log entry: h=10 m=18
